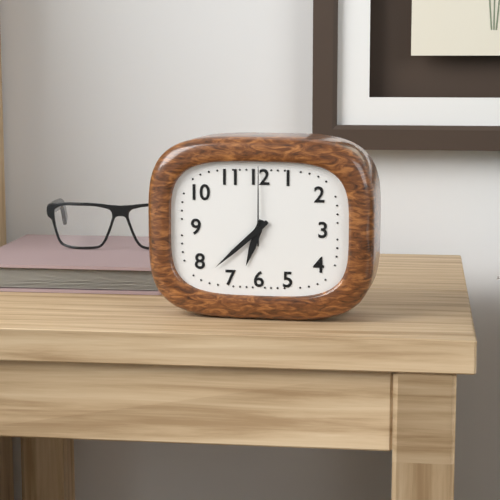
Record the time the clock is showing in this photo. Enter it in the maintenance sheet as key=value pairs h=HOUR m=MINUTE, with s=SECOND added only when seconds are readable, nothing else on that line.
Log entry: h=6 m=38 s=0
